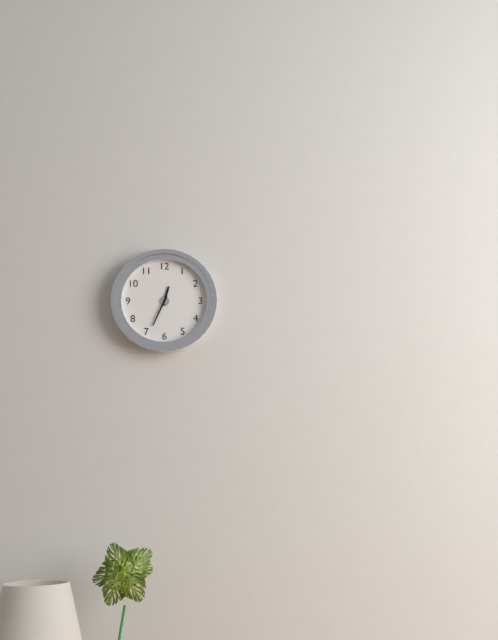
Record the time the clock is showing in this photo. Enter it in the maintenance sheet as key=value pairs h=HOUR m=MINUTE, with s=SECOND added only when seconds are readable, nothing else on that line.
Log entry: h=12 m=34
